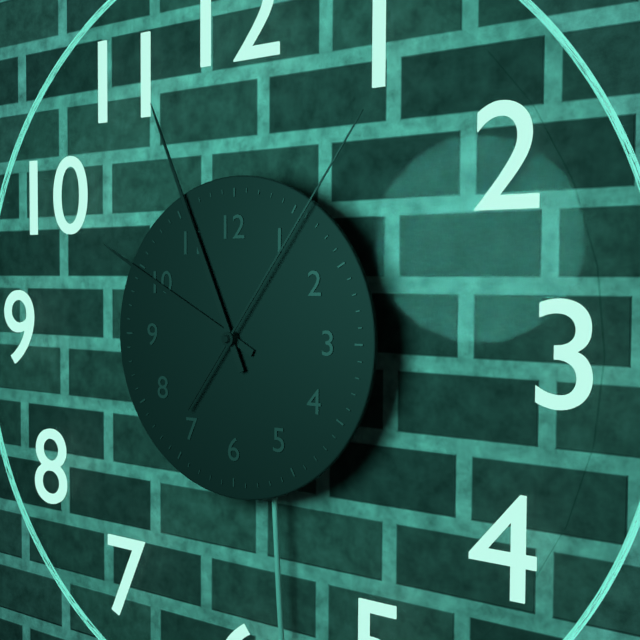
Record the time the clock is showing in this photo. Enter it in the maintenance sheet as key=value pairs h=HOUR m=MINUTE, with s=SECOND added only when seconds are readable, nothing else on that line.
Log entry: h=9 m=56 s=6
